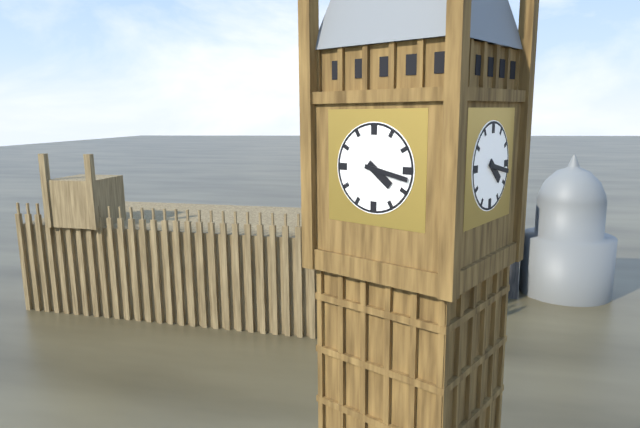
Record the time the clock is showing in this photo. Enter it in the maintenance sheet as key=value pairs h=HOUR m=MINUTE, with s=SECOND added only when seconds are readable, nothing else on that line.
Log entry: h=4 m=17
